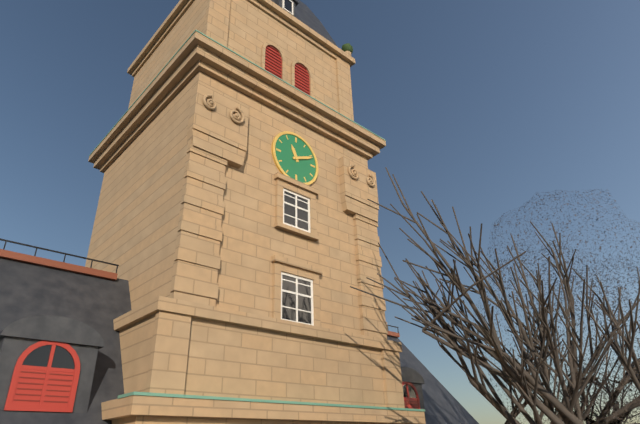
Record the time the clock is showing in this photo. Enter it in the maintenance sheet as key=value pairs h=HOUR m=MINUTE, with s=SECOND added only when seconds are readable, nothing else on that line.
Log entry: h=11 m=11
